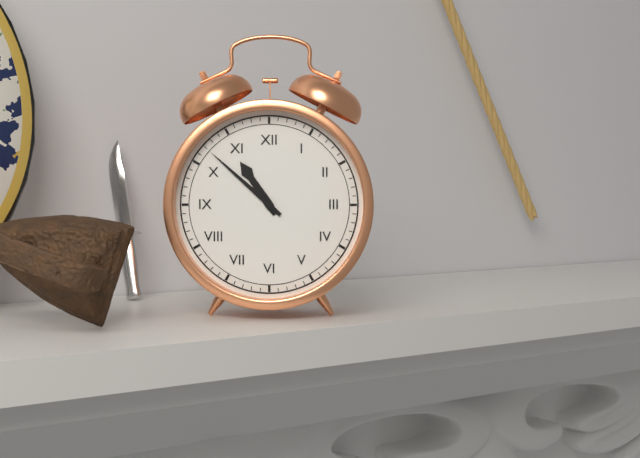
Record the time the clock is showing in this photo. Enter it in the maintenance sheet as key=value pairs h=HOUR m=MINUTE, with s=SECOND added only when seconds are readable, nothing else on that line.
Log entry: h=10 m=52
